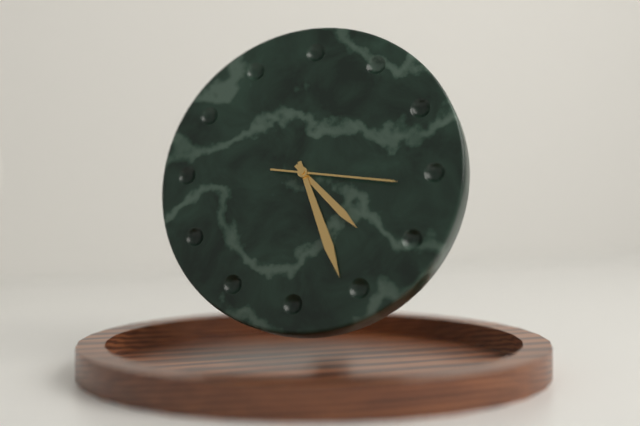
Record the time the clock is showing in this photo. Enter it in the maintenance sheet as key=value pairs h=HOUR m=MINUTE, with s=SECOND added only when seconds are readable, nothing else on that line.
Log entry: h=4 m=26 s=16
